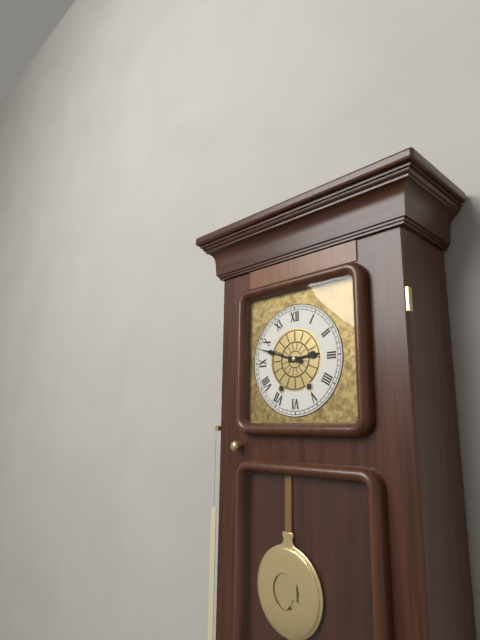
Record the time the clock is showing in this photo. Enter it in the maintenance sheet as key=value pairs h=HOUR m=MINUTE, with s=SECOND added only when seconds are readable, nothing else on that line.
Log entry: h=2 m=48
